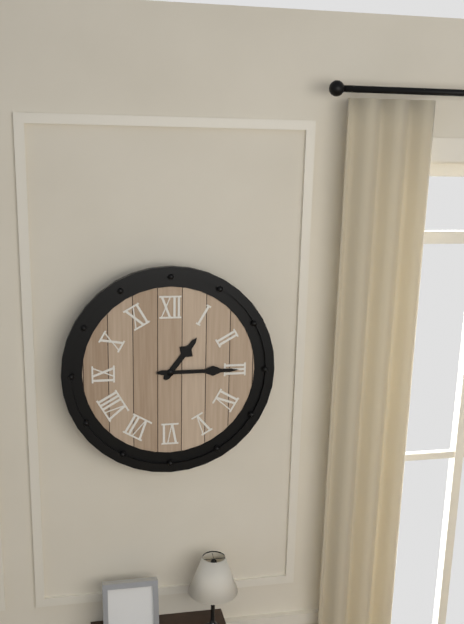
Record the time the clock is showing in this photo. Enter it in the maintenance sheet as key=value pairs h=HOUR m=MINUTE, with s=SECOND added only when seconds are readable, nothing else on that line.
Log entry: h=1 m=15
